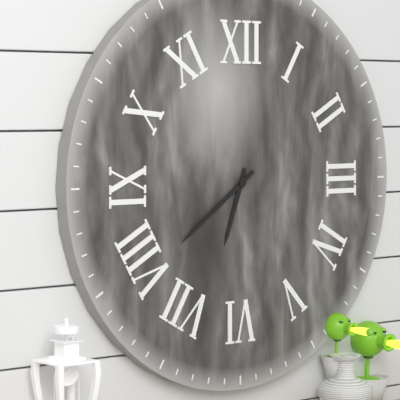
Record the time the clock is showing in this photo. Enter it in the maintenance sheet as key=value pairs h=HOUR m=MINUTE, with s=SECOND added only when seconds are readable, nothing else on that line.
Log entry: h=6 m=39
